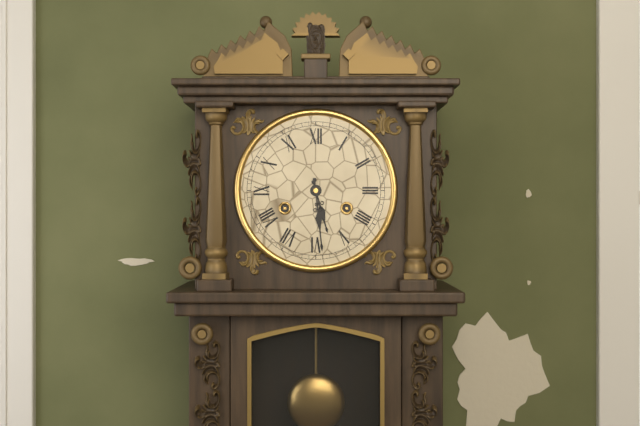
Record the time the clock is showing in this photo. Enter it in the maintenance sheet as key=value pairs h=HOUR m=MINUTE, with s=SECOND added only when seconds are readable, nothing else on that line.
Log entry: h=5 m=29
